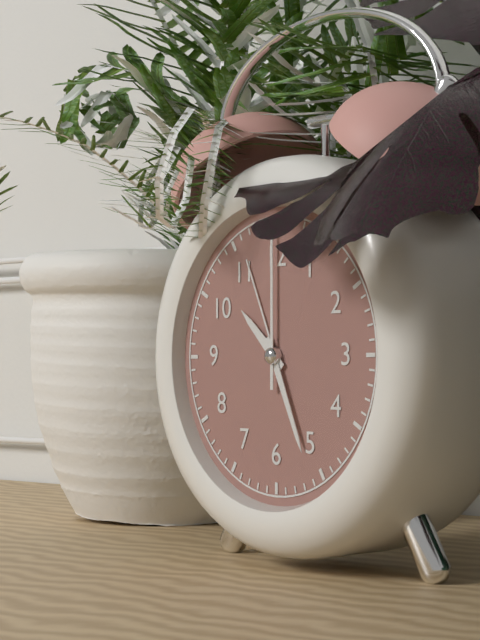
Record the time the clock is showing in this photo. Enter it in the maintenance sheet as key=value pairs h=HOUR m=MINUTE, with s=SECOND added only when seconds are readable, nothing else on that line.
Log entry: h=10 m=26
